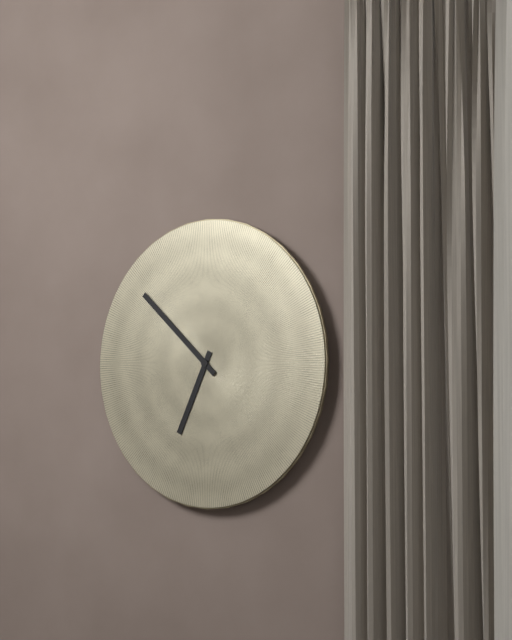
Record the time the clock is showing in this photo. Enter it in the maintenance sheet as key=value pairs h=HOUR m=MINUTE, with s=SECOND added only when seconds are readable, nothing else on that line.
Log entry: h=6 m=52
